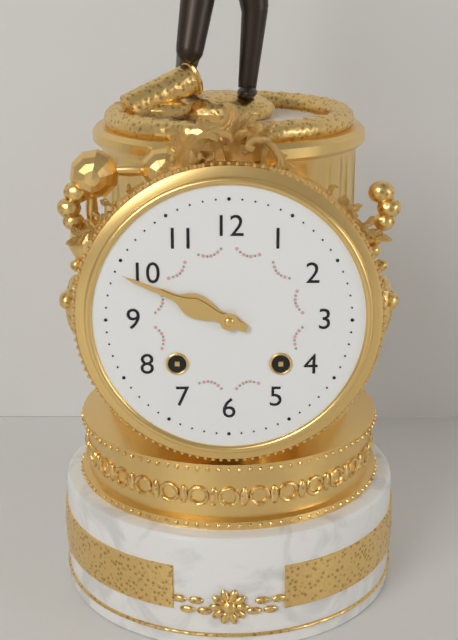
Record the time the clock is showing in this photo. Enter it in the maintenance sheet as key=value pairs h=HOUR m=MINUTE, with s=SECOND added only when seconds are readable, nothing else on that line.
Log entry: h=9 m=49
